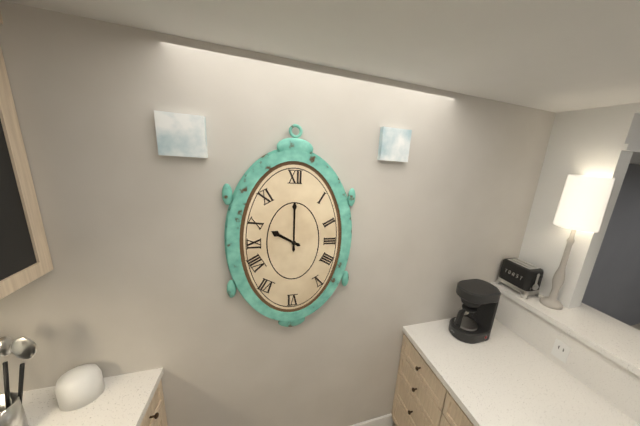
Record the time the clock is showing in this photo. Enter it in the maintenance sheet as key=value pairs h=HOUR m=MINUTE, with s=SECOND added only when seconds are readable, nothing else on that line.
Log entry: h=10 m=0
